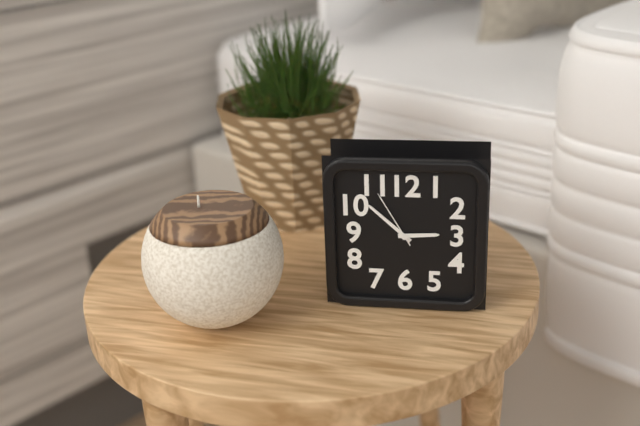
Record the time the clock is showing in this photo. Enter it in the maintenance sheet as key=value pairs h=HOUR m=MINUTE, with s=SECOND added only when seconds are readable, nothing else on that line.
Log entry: h=2 m=52 s=55
